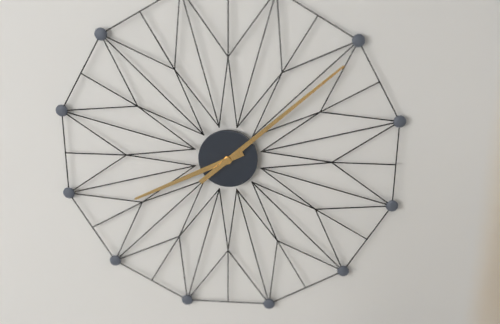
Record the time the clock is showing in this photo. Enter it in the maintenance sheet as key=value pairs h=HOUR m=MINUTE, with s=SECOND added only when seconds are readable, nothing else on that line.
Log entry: h=8 m=8
